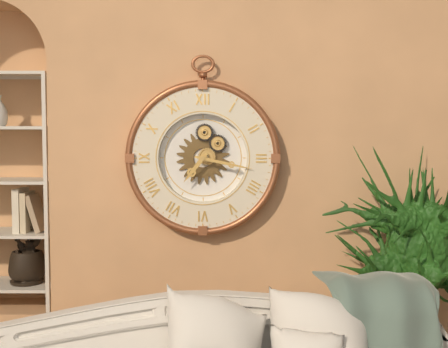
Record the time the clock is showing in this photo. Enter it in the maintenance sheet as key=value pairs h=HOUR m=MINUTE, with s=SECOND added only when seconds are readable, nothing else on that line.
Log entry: h=7 m=17
